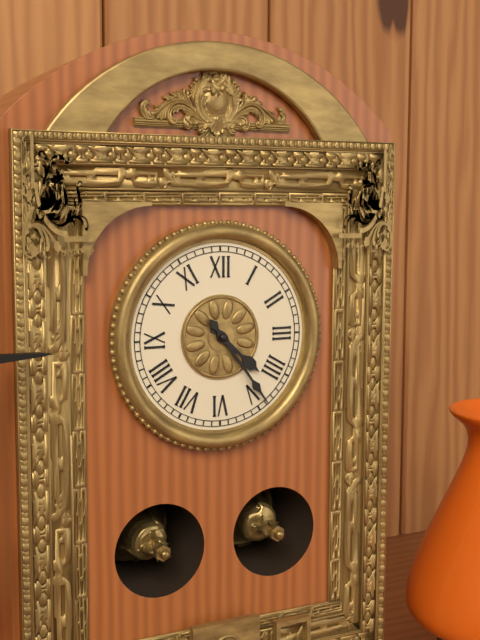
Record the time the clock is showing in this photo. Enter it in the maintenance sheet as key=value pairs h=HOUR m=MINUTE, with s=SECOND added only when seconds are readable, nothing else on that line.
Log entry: h=4 m=24
